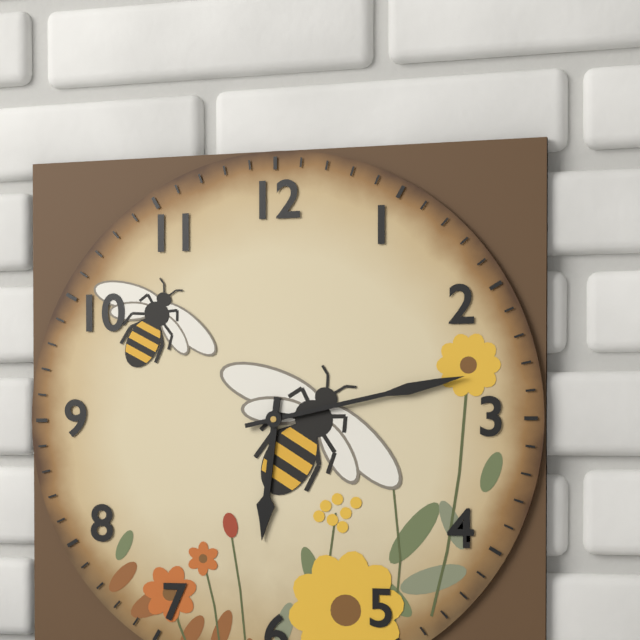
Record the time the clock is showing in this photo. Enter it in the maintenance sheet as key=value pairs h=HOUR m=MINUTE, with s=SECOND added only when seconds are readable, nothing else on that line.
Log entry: h=6 m=13
